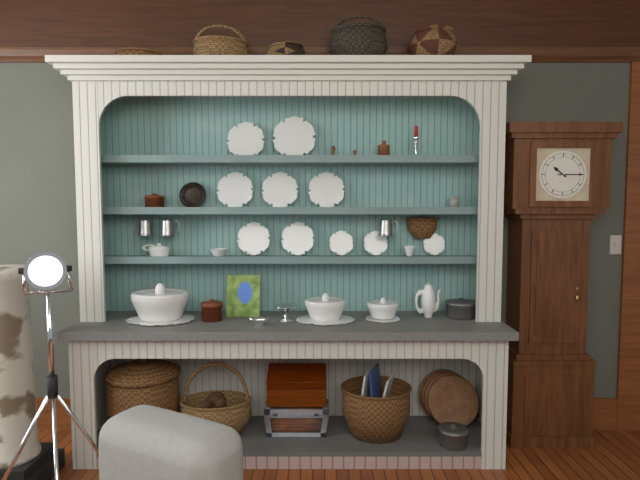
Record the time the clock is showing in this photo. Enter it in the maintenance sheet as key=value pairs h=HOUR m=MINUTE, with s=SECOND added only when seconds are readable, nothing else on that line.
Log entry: h=10 m=15
